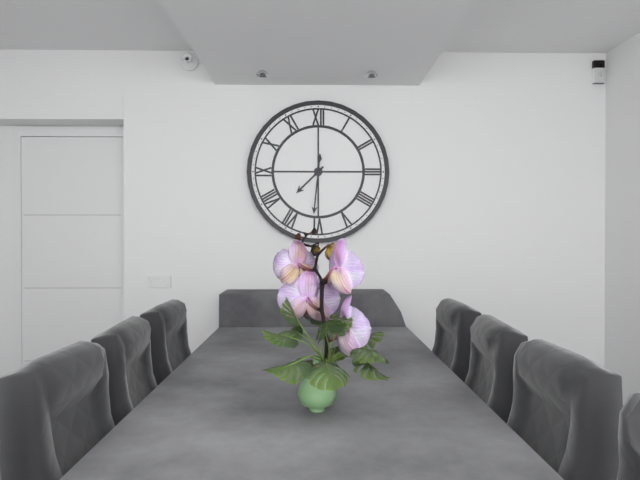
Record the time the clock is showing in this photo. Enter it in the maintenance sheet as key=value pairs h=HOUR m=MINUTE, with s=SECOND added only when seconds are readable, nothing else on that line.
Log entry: h=7 m=31
